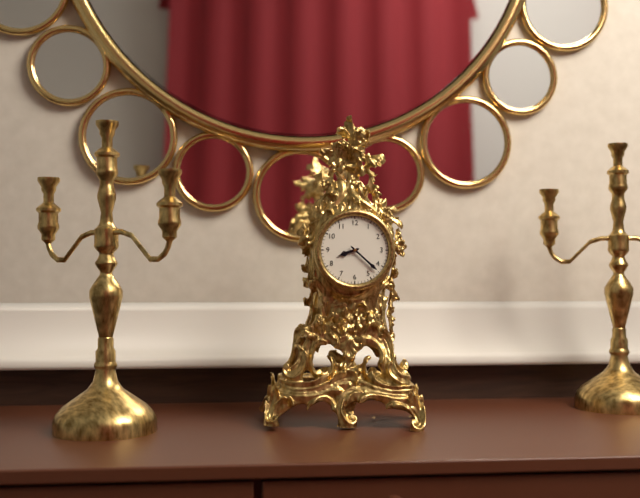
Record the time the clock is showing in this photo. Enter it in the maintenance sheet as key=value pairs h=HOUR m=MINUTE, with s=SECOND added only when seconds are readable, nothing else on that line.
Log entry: h=8 m=22
